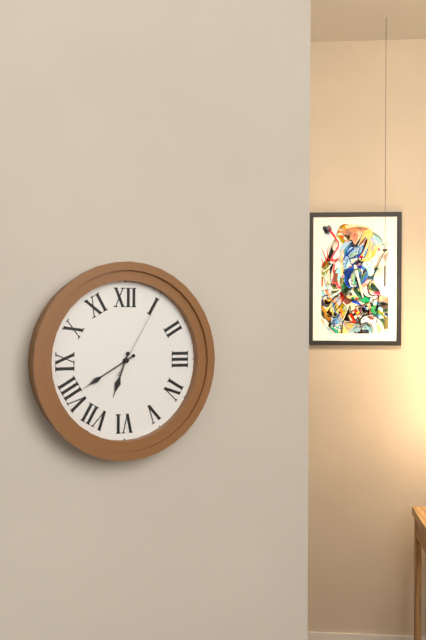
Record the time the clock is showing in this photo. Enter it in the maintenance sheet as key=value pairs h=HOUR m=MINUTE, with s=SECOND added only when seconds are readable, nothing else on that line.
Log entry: h=6 m=40 s=5
